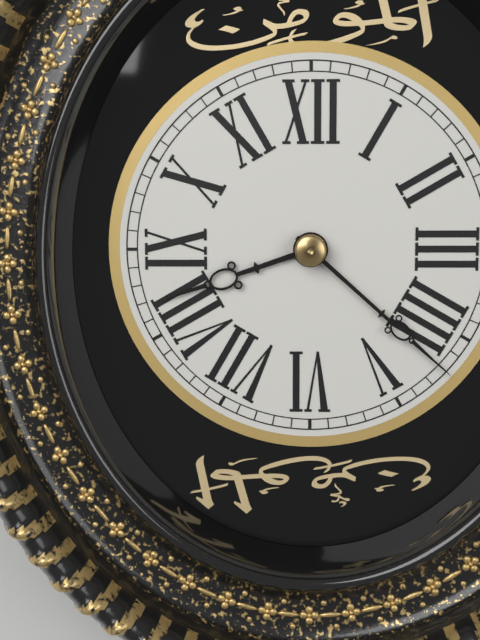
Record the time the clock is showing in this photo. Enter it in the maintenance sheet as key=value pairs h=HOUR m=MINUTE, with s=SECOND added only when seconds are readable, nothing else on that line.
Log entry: h=8 m=22
